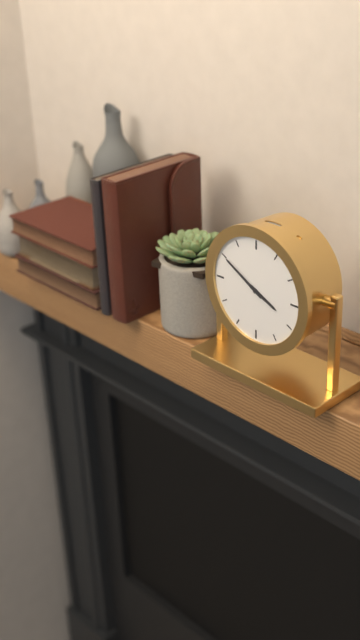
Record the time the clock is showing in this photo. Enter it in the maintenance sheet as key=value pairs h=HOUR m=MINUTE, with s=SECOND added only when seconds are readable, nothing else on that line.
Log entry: h=3 m=50
